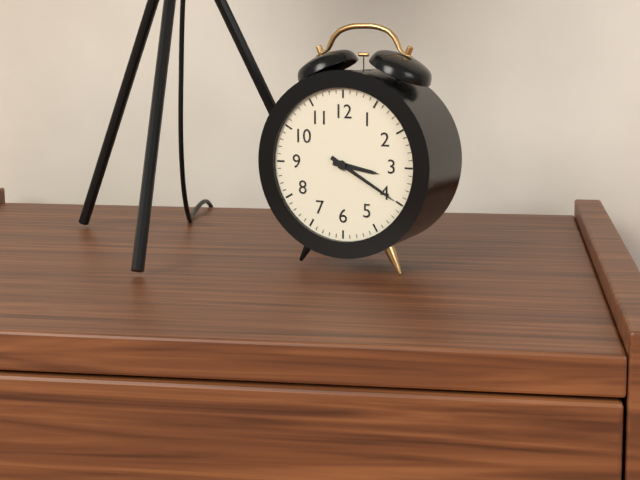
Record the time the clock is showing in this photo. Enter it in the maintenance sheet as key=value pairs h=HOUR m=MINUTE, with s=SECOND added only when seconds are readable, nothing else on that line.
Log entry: h=3 m=20
